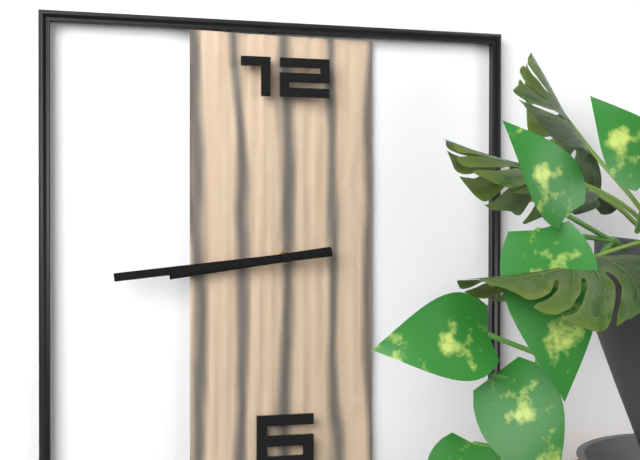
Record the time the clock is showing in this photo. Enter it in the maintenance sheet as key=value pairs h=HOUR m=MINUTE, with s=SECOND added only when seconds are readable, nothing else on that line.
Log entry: h=8 m=44
